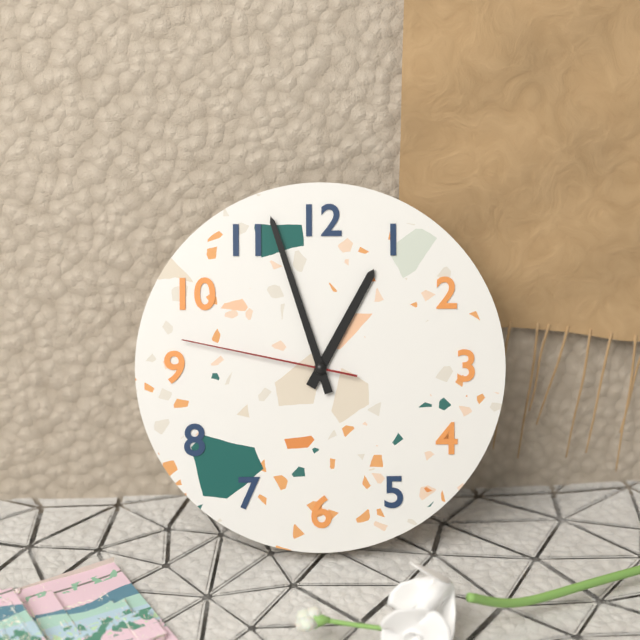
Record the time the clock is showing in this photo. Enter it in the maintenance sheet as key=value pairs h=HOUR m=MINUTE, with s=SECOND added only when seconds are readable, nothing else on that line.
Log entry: h=12 m=57 s=47
